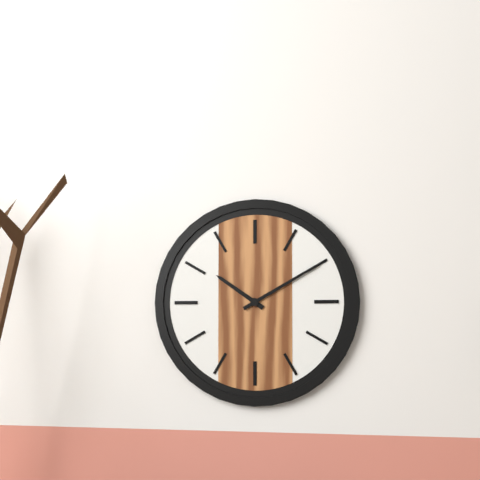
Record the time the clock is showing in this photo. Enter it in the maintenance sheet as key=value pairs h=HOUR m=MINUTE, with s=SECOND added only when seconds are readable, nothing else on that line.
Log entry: h=10 m=10
